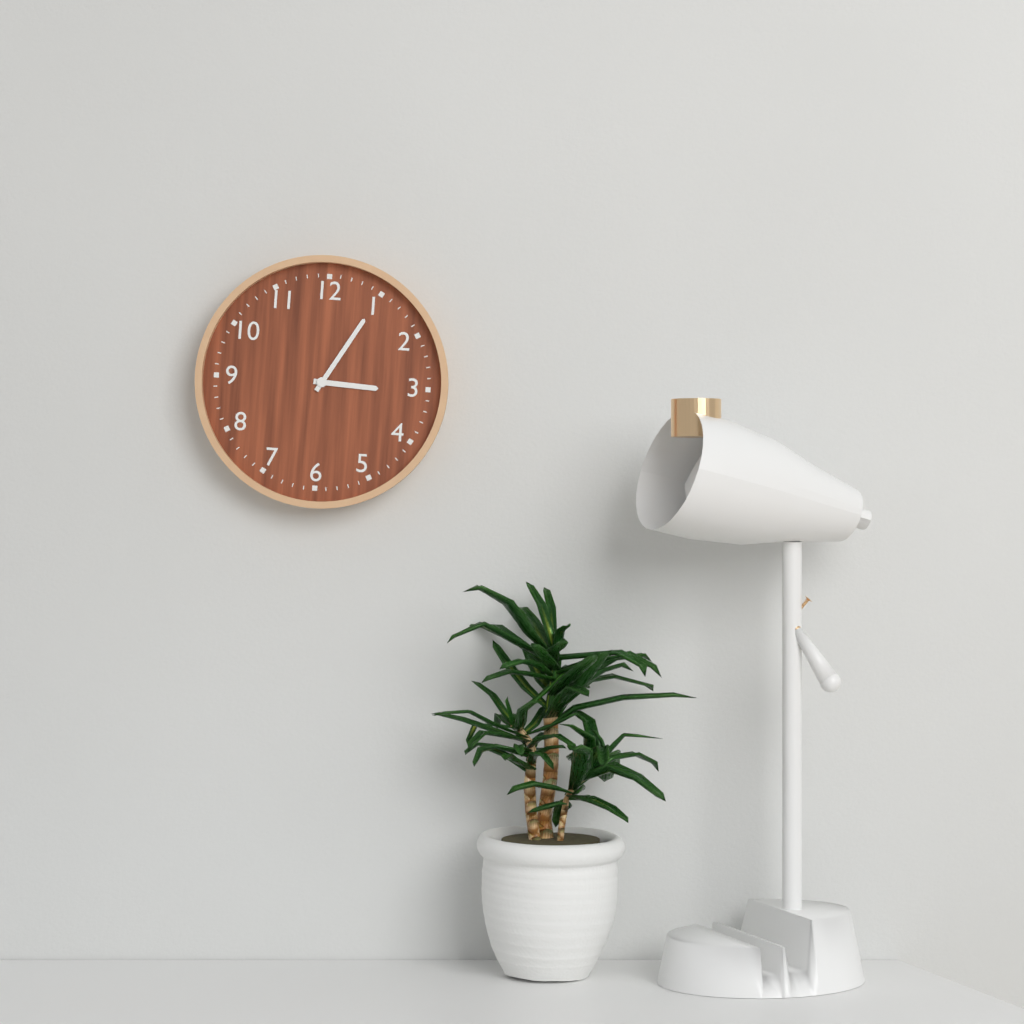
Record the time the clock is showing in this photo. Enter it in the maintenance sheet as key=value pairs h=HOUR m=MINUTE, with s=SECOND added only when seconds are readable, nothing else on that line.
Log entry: h=3 m=5
